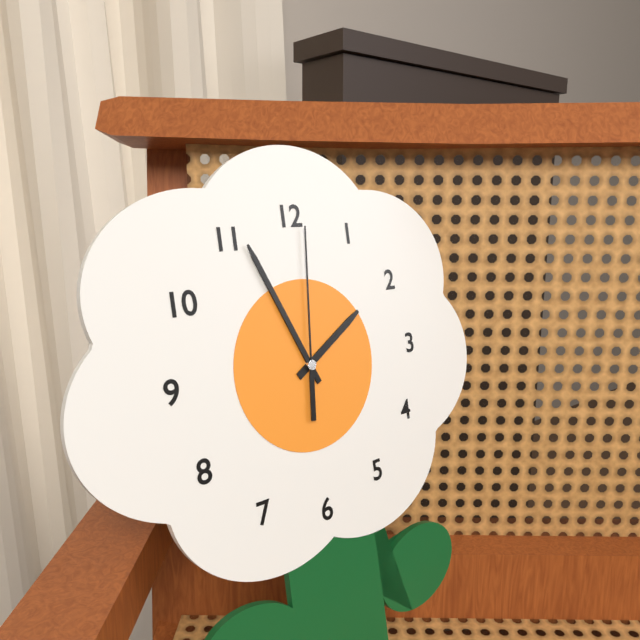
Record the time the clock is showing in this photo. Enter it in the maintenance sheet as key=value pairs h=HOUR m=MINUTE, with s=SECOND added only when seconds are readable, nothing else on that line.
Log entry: h=1 m=56 s=1
